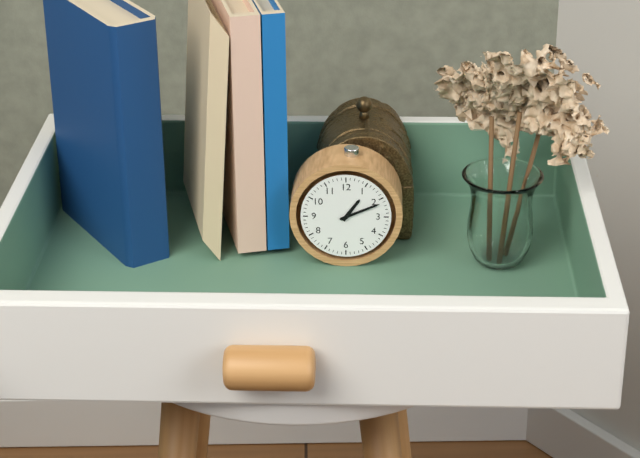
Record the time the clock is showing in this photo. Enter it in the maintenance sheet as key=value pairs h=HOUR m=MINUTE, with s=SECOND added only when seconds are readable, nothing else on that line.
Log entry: h=1 m=11
